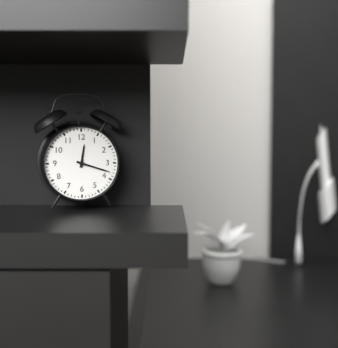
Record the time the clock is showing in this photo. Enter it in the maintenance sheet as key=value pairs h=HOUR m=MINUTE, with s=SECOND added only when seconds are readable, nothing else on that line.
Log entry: h=12 m=18
